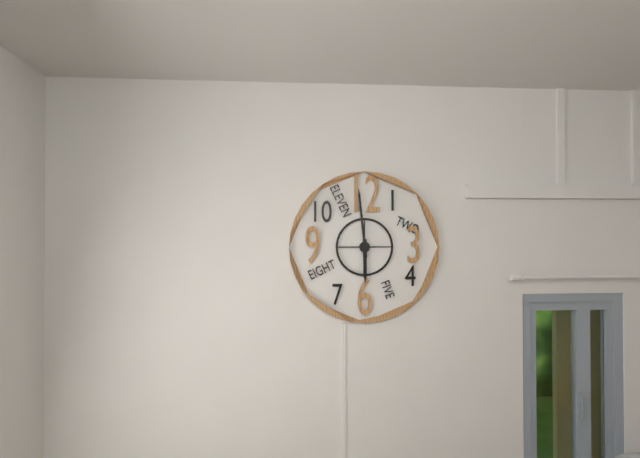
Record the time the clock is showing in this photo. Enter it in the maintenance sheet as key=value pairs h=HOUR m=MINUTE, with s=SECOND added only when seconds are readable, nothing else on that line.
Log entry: h=5 m=59
